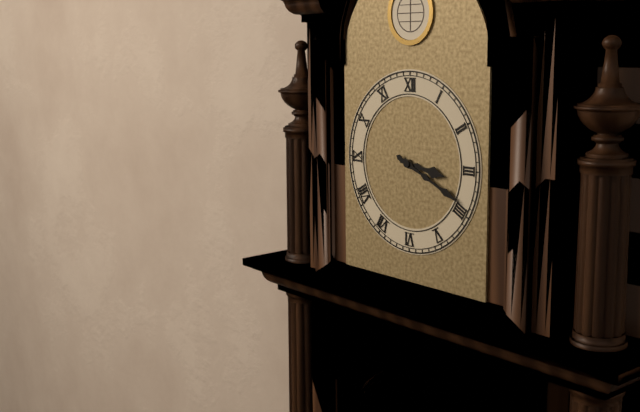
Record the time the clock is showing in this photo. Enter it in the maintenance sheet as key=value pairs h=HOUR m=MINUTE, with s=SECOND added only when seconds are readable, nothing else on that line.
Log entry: h=3 m=19
